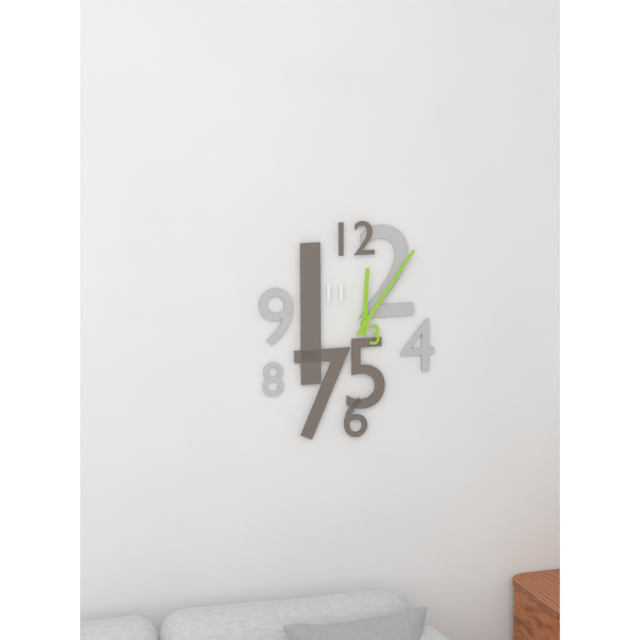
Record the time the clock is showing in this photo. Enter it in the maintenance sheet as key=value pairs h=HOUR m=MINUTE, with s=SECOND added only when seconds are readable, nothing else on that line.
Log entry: h=12 m=6
